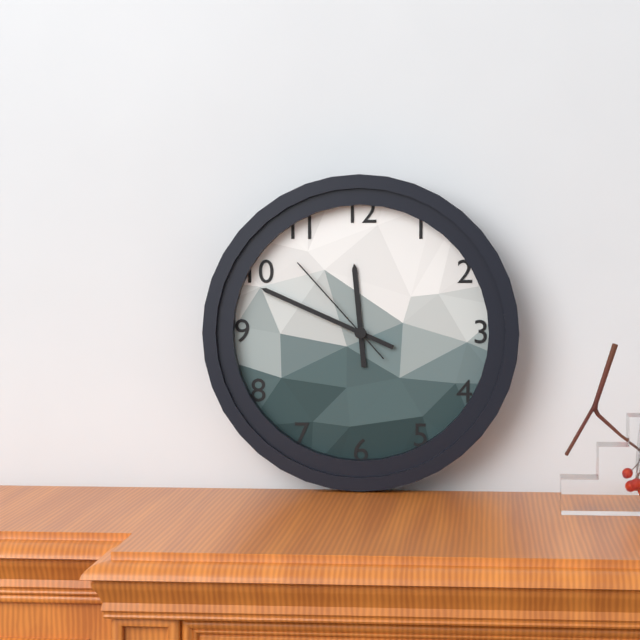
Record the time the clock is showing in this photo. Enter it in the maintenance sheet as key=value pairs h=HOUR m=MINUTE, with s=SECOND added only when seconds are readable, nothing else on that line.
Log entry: h=11 m=49 s=53
